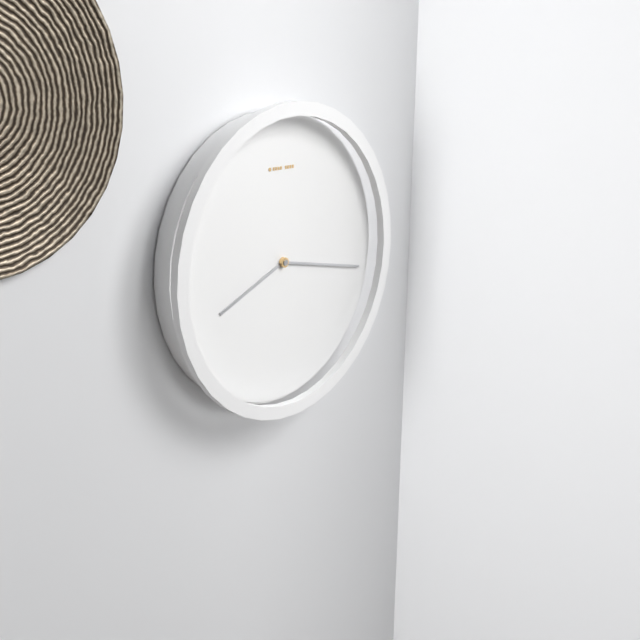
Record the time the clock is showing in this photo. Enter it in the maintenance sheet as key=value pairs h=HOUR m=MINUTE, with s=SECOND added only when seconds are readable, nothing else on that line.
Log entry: h=8 m=17
